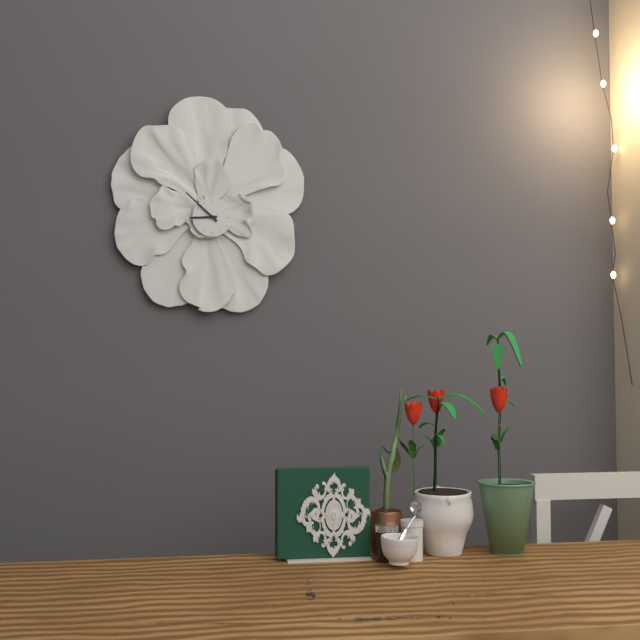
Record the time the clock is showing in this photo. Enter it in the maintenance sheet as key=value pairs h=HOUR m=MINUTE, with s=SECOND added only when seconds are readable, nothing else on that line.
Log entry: h=8 m=52
